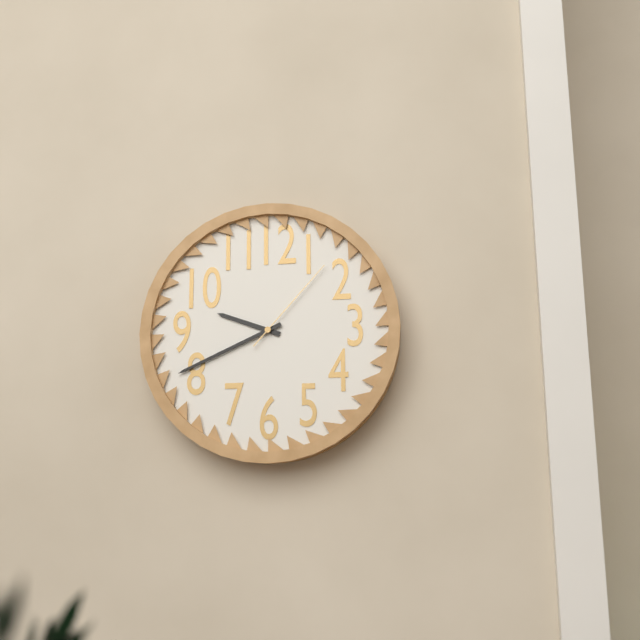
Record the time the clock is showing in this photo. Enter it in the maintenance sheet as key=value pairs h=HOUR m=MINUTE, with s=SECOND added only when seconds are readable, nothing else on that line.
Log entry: h=9 m=41 s=7
